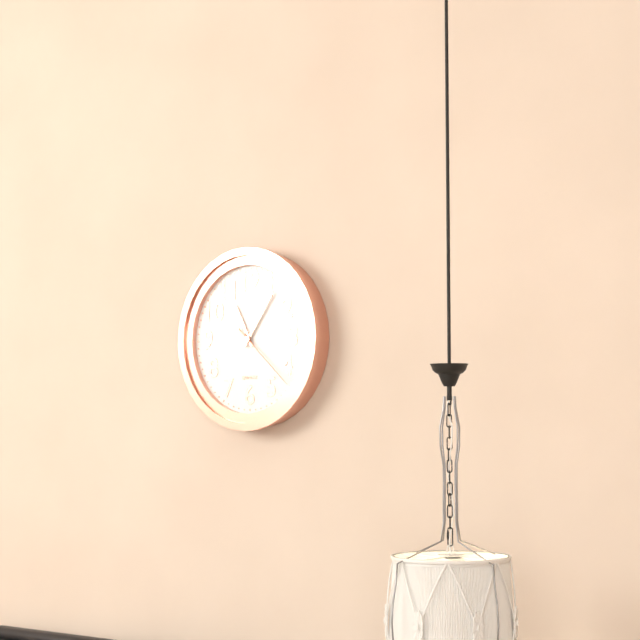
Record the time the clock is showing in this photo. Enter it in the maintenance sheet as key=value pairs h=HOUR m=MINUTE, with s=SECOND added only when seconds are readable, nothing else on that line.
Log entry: h=11 m=6 s=22
